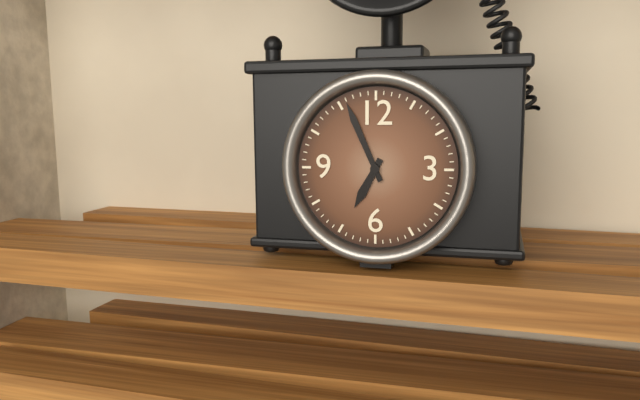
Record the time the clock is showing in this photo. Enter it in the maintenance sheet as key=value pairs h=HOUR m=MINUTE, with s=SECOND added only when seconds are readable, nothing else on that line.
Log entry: h=6 m=56
